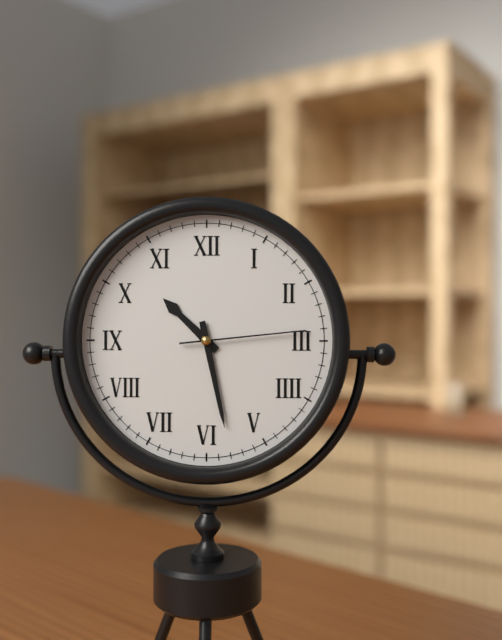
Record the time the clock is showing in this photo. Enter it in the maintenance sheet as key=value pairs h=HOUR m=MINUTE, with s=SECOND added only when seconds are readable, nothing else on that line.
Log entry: h=10 m=28 s=14
